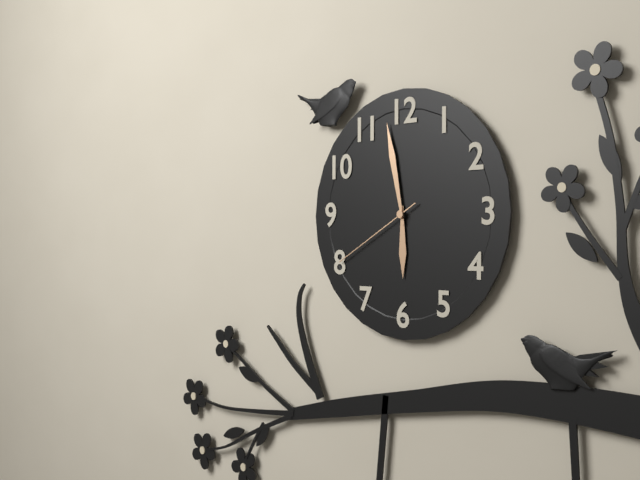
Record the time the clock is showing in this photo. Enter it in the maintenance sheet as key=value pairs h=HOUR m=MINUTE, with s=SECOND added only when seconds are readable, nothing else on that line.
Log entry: h=5 m=58 s=40
